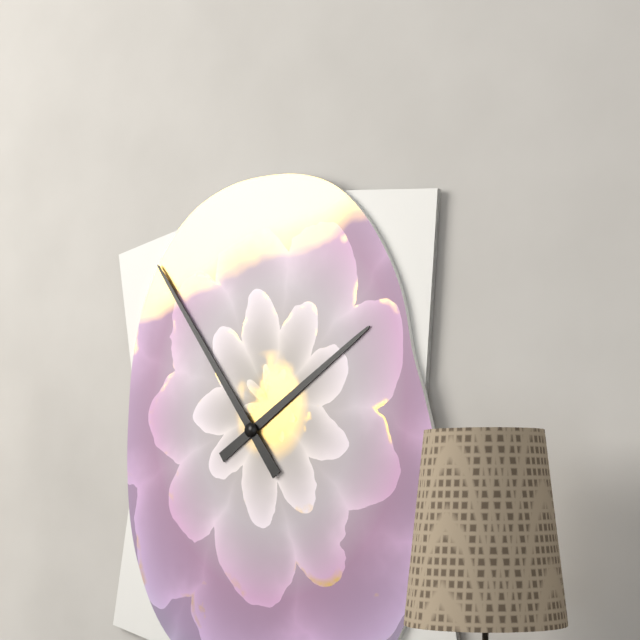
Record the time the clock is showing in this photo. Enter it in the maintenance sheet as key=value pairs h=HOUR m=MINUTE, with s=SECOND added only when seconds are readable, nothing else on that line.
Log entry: h=1 m=54
